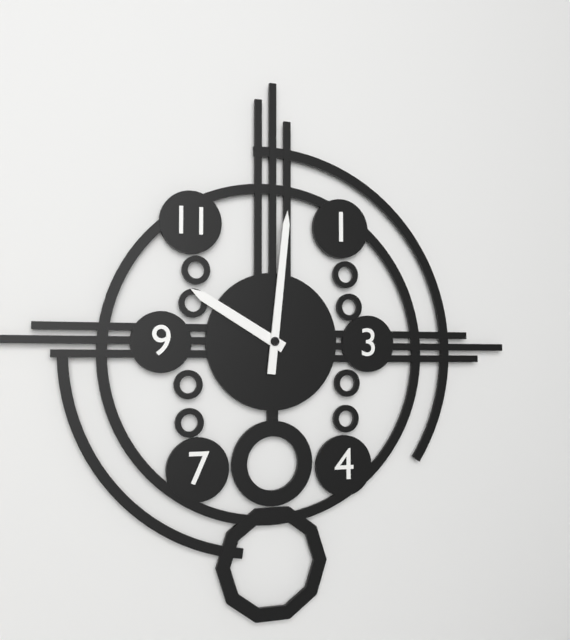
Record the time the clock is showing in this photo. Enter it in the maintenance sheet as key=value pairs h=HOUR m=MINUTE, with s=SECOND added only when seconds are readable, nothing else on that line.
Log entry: h=10 m=1
